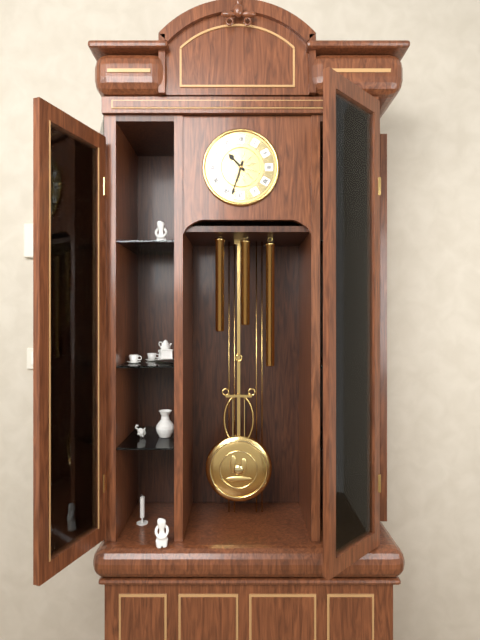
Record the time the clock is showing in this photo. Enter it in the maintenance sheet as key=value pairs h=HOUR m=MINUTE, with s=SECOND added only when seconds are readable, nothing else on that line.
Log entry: h=10 m=33
